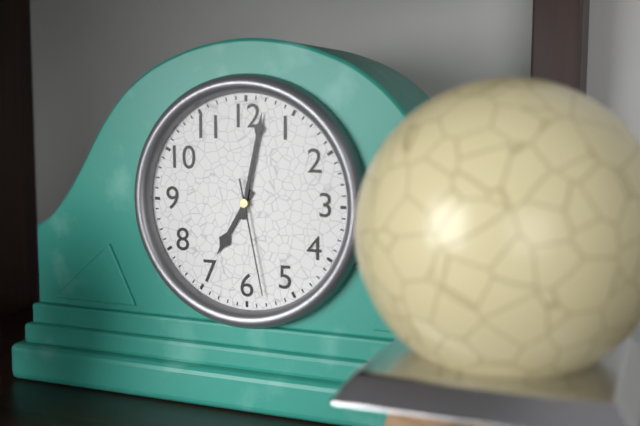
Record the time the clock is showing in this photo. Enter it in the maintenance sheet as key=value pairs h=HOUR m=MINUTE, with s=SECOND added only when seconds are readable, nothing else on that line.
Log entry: h=7 m=2 s=28
